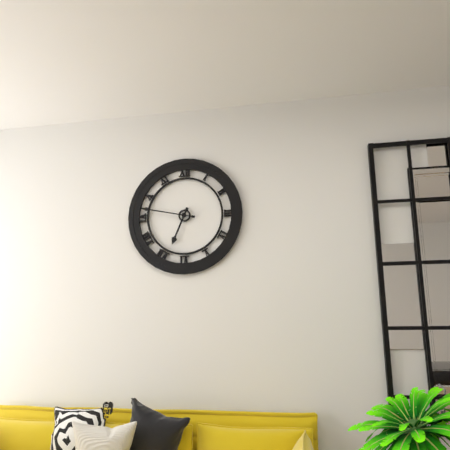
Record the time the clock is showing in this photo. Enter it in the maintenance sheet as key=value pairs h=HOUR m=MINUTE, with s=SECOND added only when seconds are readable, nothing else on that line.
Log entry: h=6 m=47
